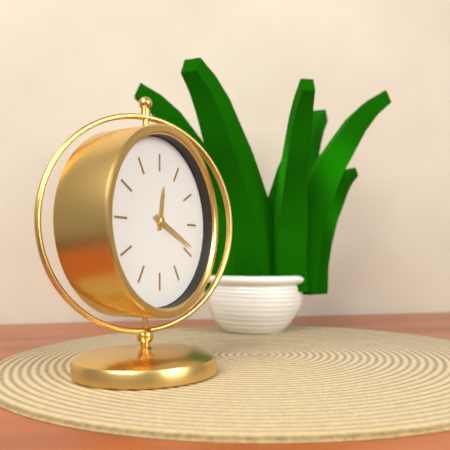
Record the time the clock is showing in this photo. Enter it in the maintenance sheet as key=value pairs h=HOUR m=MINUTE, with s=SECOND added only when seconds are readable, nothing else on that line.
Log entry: h=12 m=19
